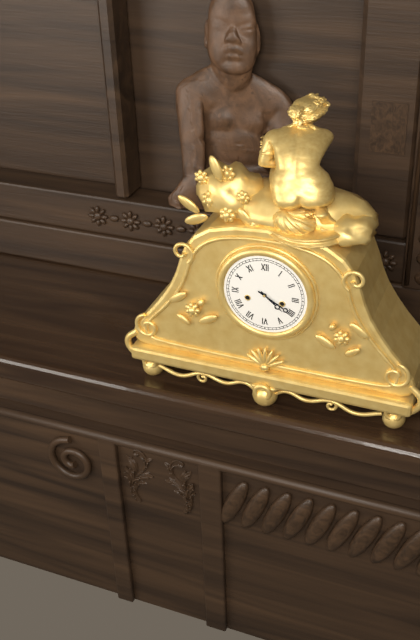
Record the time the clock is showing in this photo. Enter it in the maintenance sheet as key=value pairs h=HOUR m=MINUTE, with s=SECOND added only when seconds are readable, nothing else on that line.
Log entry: h=4 m=20
